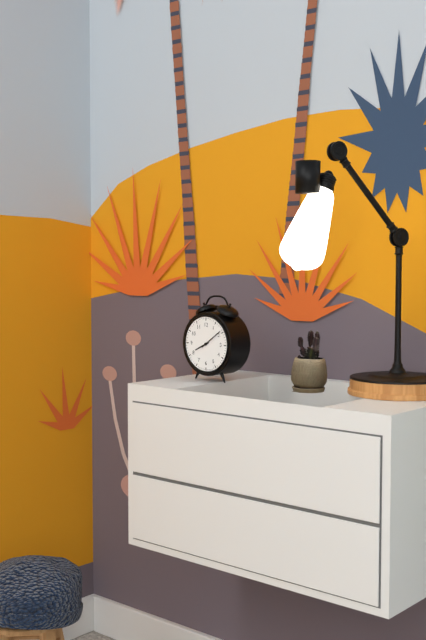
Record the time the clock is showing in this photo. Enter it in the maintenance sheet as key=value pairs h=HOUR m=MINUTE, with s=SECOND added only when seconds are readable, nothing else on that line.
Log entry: h=8 m=9
